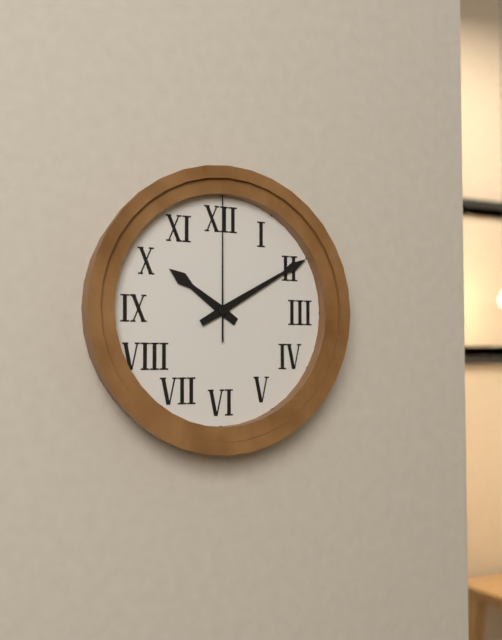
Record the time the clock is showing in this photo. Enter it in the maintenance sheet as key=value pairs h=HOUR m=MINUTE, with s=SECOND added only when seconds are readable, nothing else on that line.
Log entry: h=10 m=10 s=0
